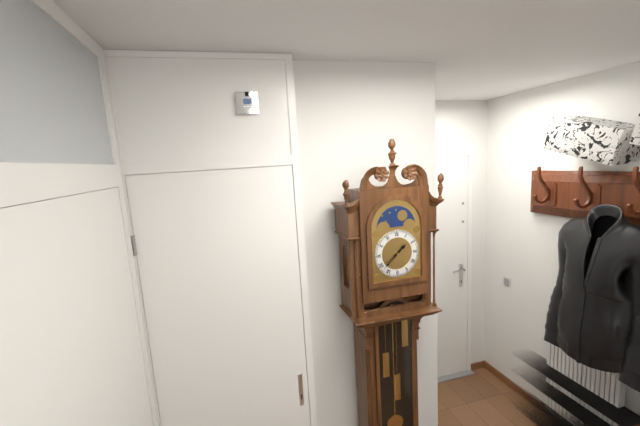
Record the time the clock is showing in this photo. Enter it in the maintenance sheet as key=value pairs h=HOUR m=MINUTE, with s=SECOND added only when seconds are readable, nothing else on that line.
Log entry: h=1 m=38
